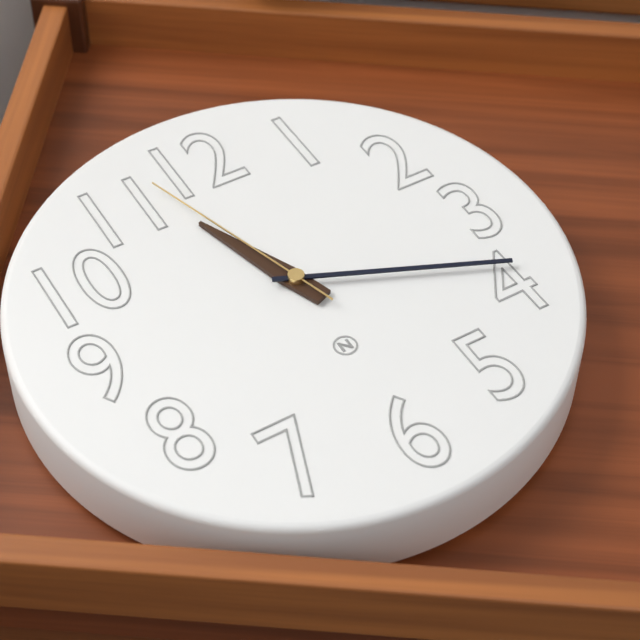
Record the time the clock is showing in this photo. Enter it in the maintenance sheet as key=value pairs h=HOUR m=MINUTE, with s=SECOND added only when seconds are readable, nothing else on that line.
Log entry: h=11 m=19 s=57
